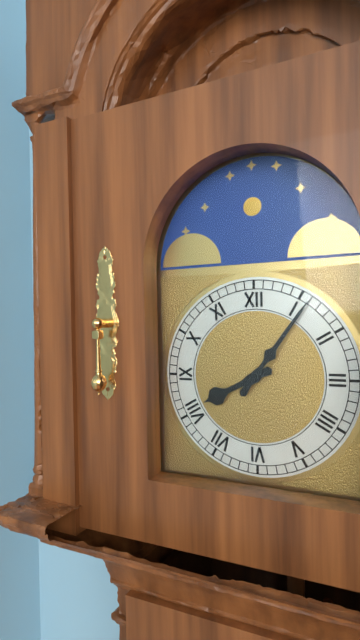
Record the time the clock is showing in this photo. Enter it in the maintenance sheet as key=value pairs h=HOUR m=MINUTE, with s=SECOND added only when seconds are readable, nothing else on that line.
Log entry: h=8 m=6
